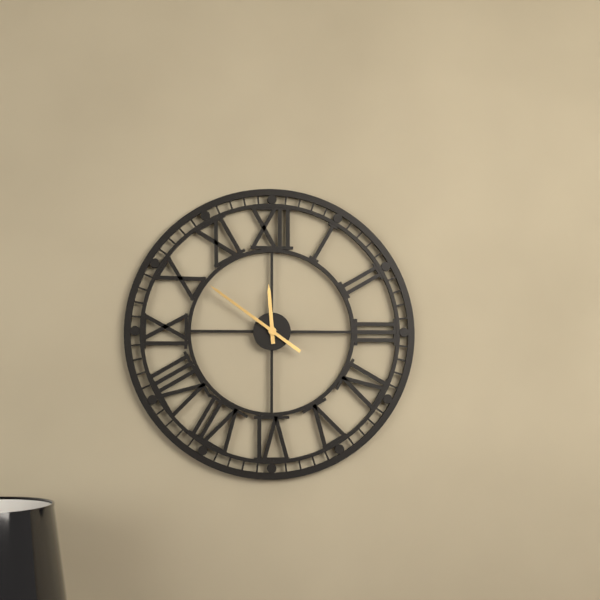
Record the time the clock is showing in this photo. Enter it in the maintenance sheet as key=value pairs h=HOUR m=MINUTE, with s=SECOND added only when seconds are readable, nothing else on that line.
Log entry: h=11 m=51
